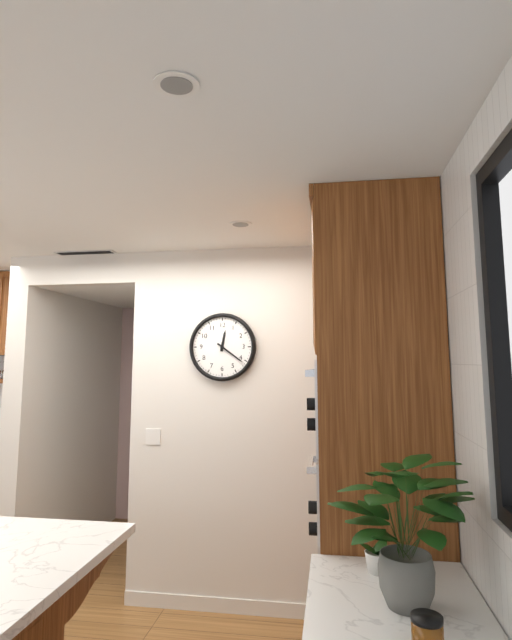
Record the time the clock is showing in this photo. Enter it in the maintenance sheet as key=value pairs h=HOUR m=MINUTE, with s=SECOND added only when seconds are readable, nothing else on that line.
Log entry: h=12 m=21
